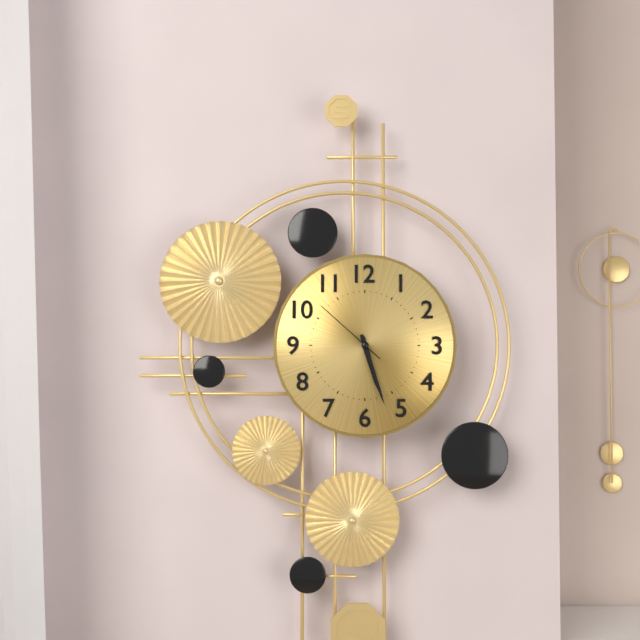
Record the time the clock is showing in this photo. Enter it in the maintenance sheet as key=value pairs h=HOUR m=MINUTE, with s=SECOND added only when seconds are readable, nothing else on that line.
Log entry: h=5 m=27 s=52
